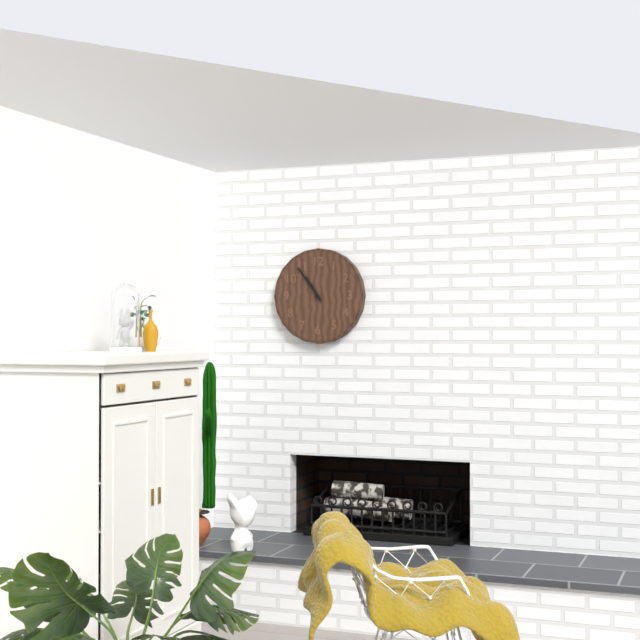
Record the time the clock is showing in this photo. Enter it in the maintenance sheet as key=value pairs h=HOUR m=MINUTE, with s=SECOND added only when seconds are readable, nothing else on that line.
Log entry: h=10 m=54
